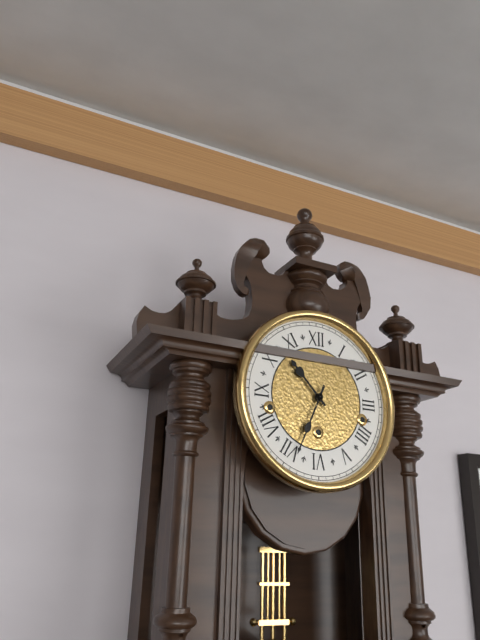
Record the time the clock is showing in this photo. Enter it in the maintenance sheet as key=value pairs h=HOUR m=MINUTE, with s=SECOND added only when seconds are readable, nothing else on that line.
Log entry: h=10 m=34
